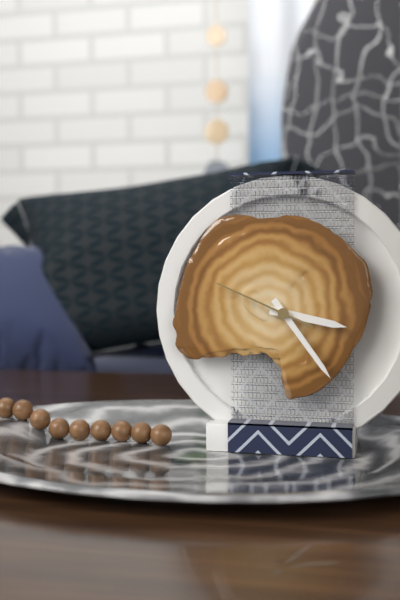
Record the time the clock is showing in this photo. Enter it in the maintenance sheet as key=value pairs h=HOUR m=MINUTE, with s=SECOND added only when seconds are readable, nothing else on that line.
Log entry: h=3 m=24 s=49
